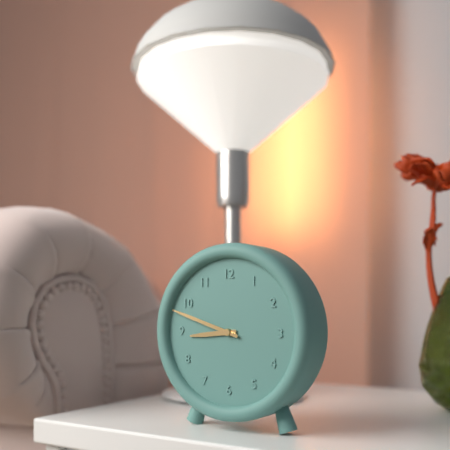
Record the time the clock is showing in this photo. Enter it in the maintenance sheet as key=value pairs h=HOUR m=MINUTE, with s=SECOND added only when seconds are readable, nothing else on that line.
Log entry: h=8 m=48
